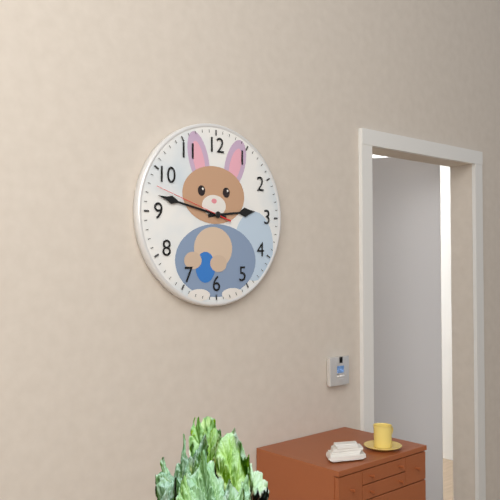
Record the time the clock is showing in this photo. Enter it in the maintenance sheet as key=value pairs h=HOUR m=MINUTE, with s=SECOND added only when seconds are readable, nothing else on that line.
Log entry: h=2 m=47 s=48
